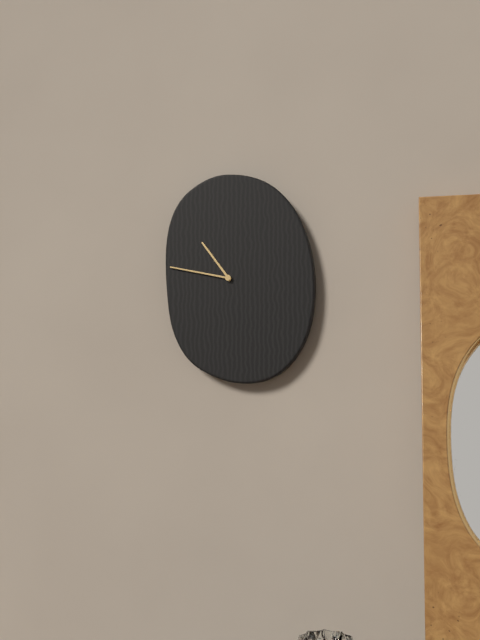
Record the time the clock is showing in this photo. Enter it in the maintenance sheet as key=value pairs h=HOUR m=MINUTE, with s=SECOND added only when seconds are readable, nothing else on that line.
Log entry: h=10 m=47
